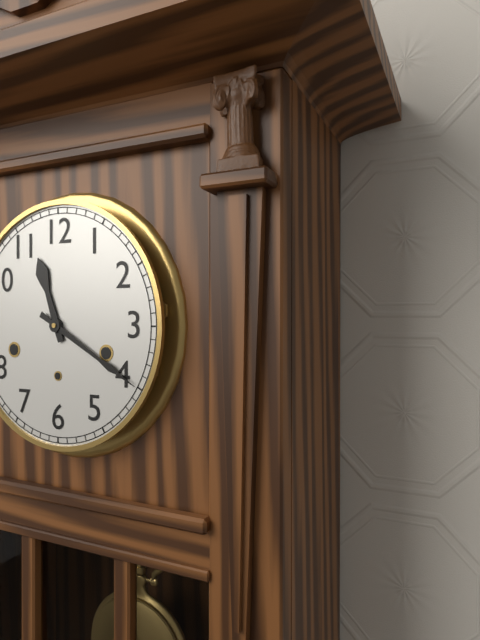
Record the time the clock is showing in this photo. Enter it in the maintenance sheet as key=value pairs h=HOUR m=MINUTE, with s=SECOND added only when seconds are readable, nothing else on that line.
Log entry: h=11 m=20
